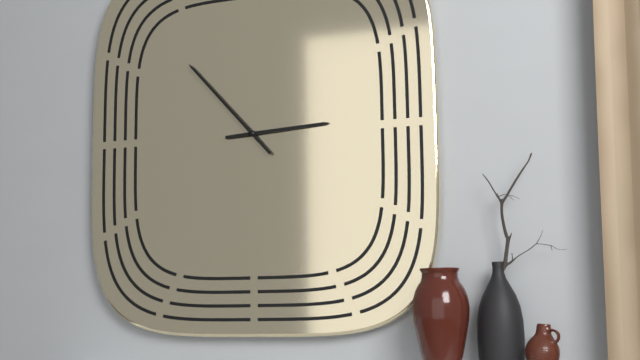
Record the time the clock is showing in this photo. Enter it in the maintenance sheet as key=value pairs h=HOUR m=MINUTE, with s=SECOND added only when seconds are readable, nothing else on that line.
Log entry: h=2 m=53
